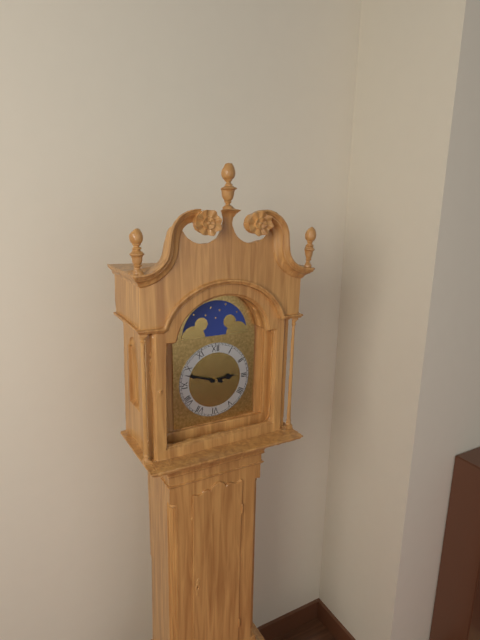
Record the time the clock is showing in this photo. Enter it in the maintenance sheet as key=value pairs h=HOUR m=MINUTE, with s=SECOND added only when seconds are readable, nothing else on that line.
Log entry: h=2 m=48
